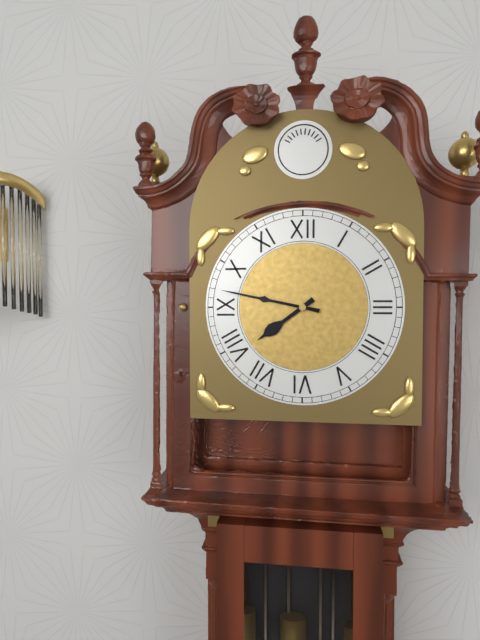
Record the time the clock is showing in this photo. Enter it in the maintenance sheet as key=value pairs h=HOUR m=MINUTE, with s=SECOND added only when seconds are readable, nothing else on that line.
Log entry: h=7 m=47
